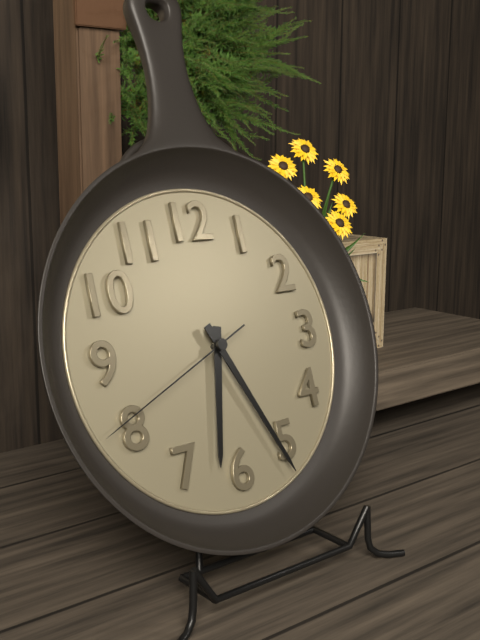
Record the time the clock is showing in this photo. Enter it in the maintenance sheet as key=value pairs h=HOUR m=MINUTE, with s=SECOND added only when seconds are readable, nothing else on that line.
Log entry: h=6 m=26 s=41
